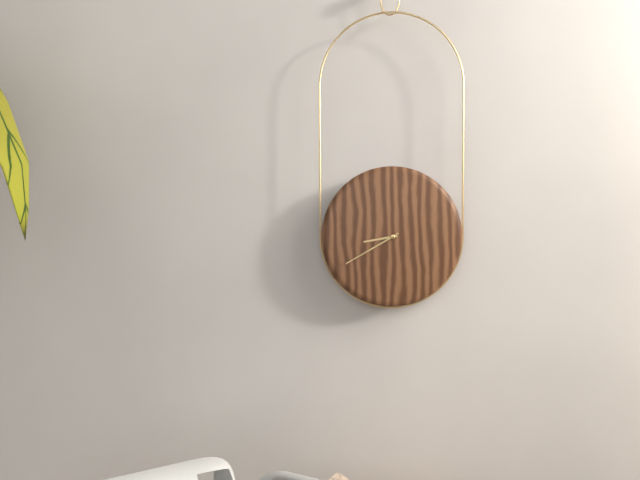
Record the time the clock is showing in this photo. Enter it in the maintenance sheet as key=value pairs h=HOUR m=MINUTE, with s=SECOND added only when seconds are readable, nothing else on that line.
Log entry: h=8 m=40
